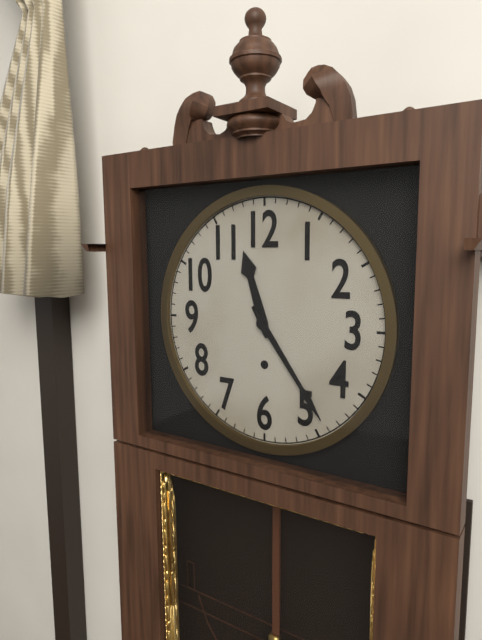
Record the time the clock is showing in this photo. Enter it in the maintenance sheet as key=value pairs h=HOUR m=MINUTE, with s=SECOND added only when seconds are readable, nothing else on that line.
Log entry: h=11 m=24
